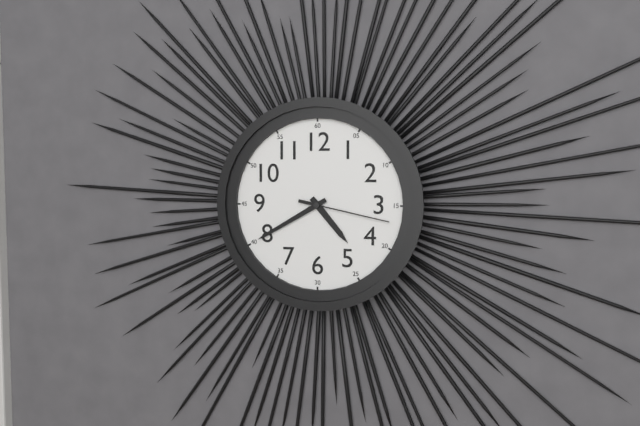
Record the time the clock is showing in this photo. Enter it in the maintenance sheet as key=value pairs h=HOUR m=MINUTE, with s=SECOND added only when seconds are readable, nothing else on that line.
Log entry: h=4 m=40 s=17
